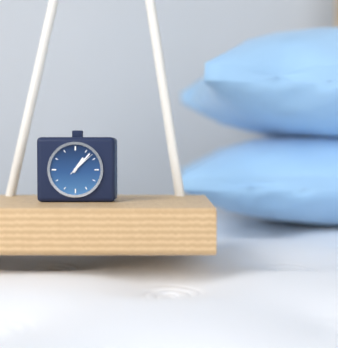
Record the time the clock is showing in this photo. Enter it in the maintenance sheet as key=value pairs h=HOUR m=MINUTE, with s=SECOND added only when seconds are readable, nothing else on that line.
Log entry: h=1 m=7
